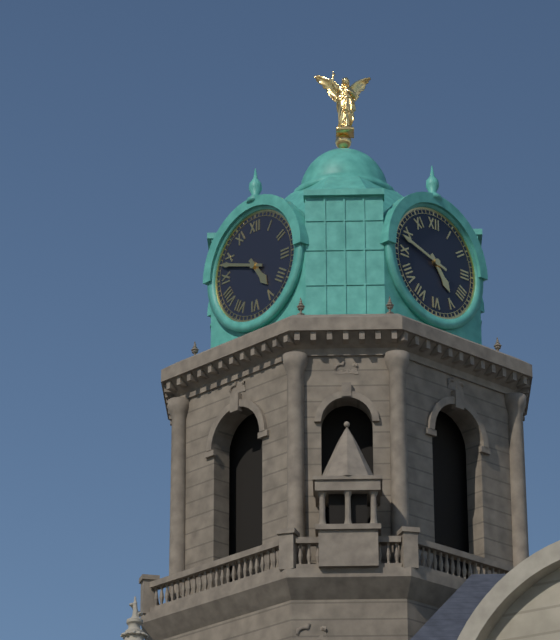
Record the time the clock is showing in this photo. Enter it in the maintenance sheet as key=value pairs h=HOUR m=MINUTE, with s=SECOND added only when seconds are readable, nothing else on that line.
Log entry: h=4 m=48
